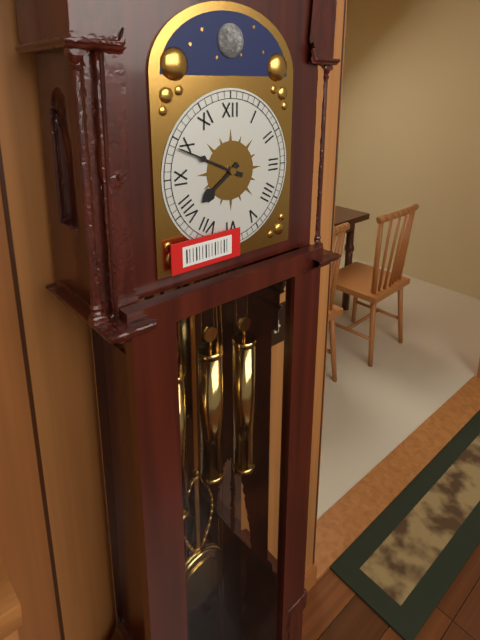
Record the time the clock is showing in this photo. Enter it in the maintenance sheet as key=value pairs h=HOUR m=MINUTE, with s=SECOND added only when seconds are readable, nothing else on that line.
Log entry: h=7 m=49
